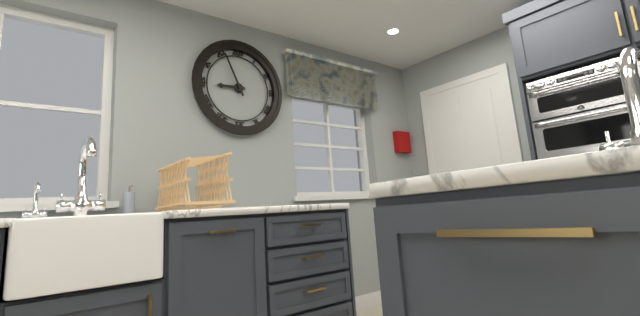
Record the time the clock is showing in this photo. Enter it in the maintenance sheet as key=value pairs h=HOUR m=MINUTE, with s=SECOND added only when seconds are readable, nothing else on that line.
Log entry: h=8 m=56
